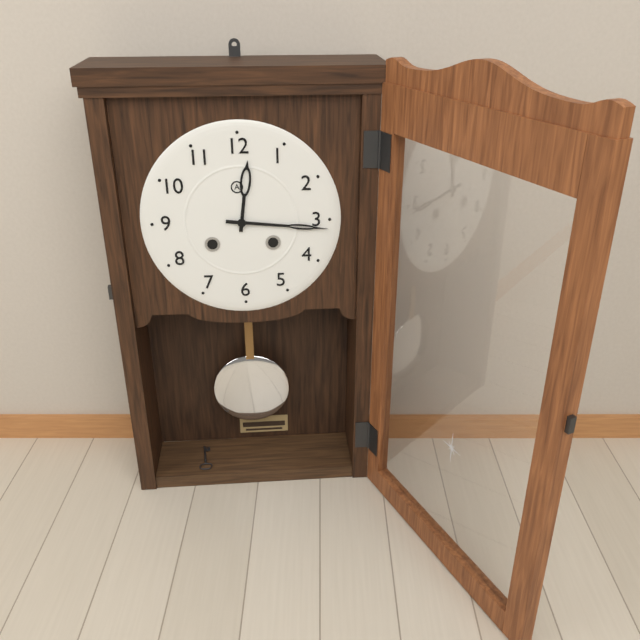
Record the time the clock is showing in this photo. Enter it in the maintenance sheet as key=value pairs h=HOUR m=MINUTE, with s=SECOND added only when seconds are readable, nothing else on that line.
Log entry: h=12 m=16
